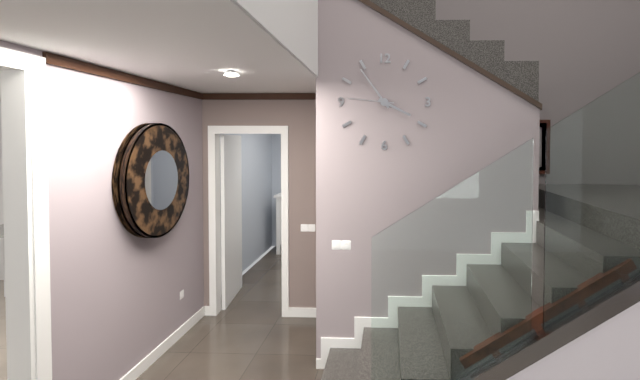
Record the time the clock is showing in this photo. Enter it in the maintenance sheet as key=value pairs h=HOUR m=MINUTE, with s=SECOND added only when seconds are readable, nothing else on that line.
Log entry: h=3 m=54
